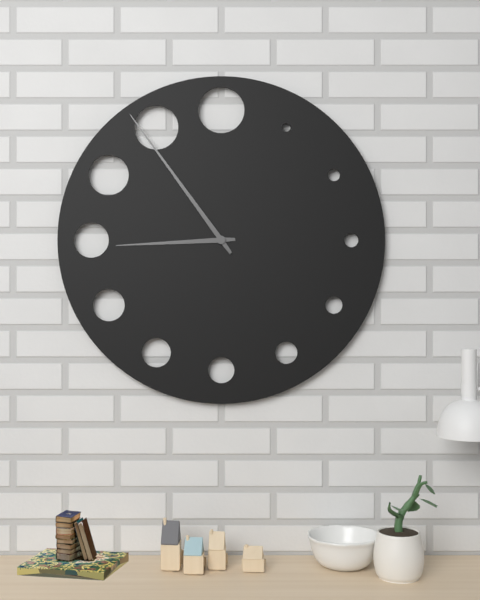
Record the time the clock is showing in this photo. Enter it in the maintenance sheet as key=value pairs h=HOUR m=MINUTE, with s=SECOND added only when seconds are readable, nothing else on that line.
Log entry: h=8 m=54
